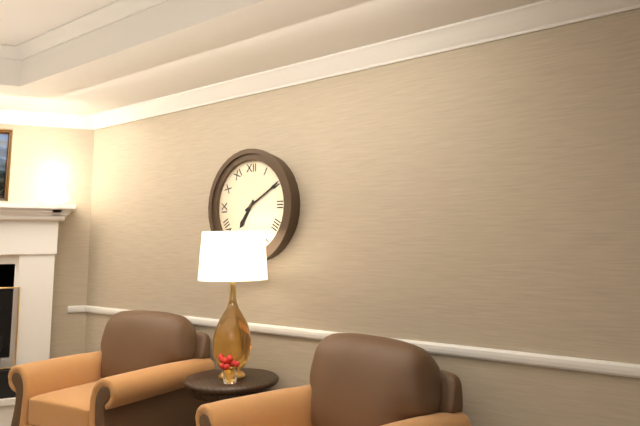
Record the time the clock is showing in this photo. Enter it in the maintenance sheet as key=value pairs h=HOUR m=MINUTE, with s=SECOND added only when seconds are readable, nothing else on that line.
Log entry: h=7 m=10
